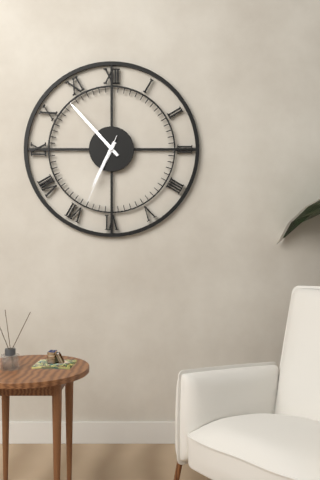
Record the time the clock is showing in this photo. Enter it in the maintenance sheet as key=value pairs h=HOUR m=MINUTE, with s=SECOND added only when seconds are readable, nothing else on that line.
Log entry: h=6 m=53 s=34
